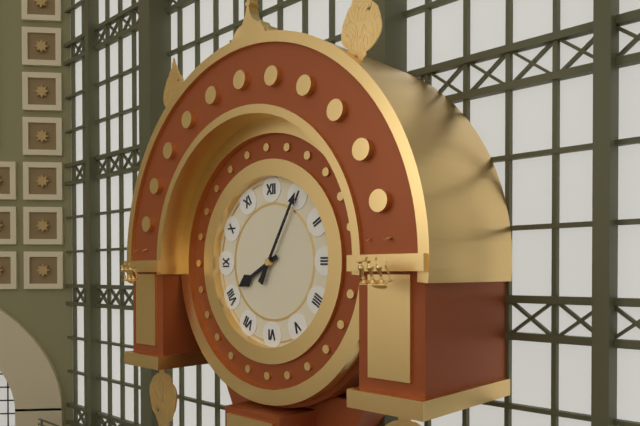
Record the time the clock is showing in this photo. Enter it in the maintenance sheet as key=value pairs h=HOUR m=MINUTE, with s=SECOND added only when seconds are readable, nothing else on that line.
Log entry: h=8 m=5
